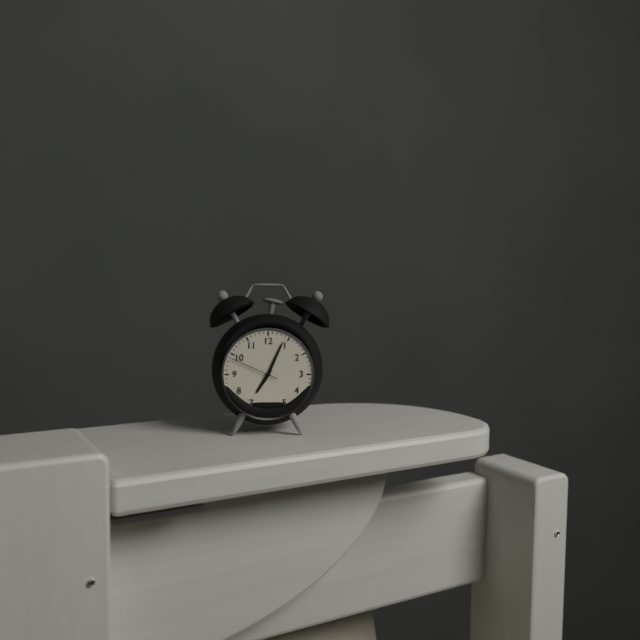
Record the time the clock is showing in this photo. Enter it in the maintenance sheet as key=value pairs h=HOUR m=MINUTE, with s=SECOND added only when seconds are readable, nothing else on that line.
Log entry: h=7 m=4
